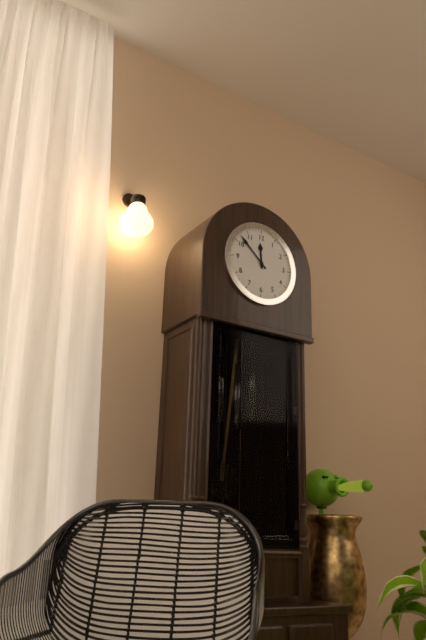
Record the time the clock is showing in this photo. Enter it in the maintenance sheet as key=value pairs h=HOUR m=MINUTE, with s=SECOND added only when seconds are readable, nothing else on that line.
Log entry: h=11 m=52
